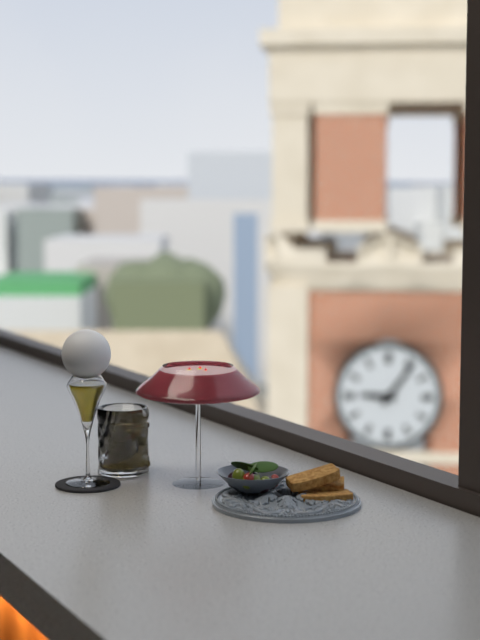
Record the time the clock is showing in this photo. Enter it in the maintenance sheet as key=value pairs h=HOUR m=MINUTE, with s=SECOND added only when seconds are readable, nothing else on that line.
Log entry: h=9 m=6
